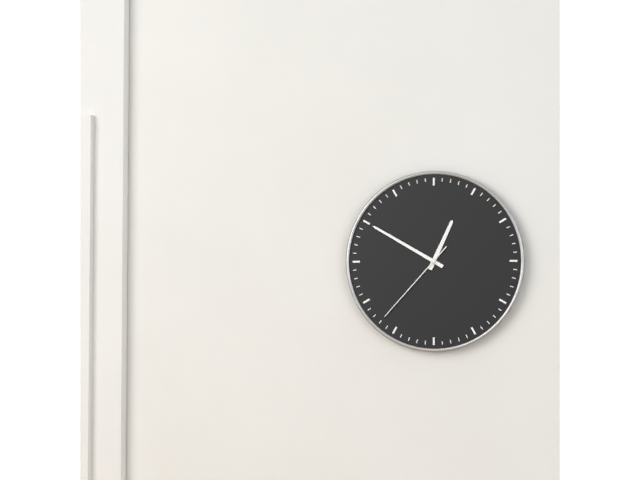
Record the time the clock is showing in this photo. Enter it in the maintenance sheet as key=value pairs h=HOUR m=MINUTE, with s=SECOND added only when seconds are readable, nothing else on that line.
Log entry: h=12 m=50 s=37
